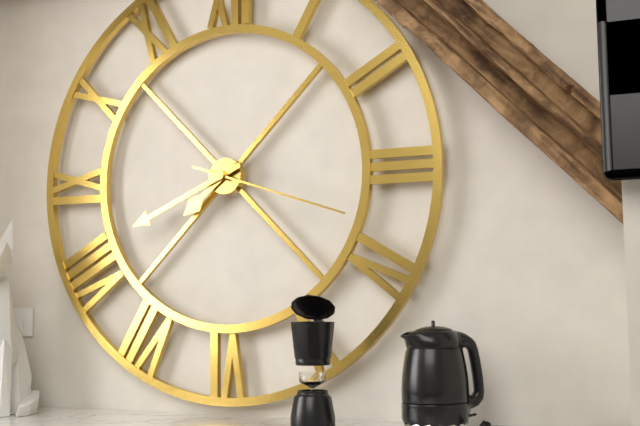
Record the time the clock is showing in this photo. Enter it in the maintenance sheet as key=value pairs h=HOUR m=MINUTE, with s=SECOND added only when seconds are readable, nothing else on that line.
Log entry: h=7 m=41 s=18
